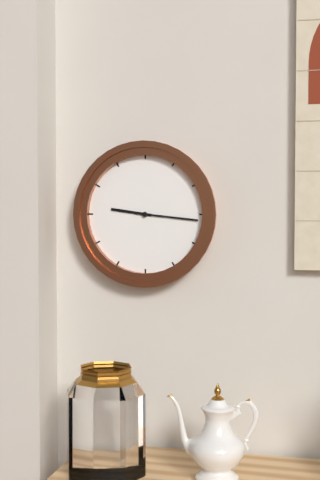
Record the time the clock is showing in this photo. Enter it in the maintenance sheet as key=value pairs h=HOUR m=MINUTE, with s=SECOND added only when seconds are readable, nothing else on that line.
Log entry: h=9 m=16
